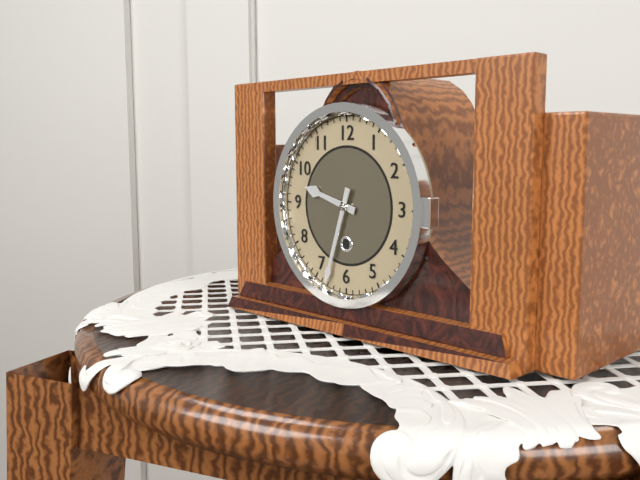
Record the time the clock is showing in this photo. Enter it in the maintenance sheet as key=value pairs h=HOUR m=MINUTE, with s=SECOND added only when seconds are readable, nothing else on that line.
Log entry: h=9 m=33
